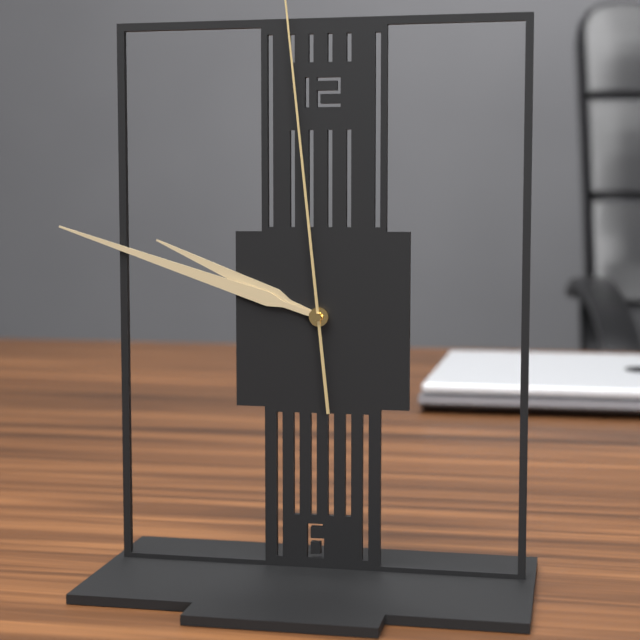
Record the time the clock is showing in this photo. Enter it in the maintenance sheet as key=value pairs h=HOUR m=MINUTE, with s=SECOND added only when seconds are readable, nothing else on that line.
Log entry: h=9 m=48
